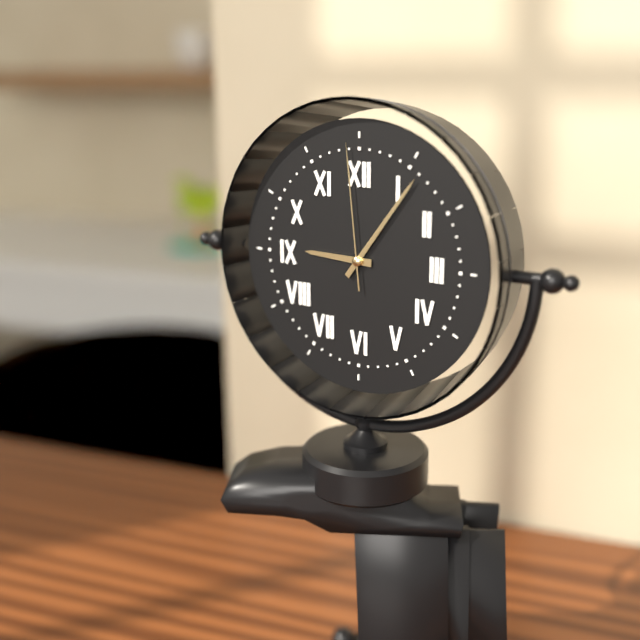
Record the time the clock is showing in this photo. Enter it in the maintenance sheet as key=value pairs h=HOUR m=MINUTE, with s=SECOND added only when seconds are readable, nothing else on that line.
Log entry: h=9 m=6 s=59
